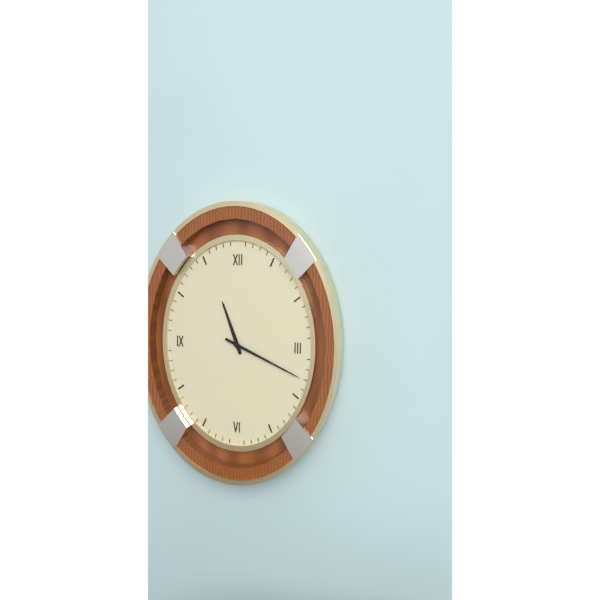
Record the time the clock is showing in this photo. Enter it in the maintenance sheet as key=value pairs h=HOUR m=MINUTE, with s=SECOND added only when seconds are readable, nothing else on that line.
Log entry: h=11 m=19
